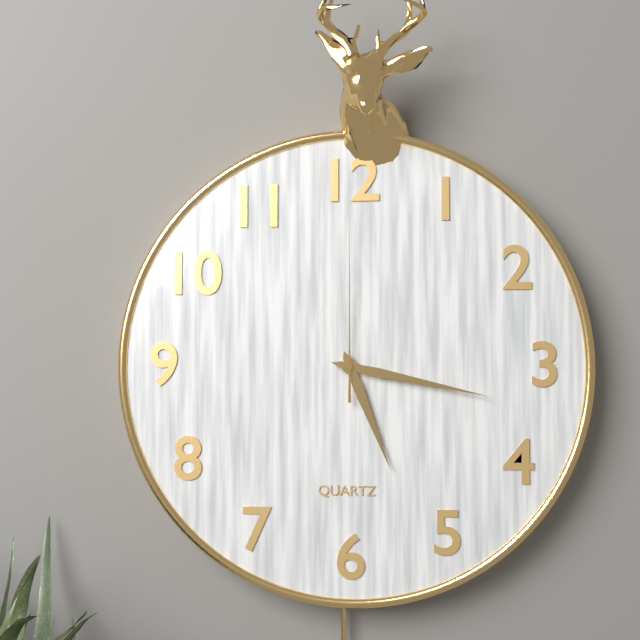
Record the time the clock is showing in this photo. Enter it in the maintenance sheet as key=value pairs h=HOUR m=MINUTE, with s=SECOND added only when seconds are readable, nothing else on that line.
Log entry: h=5 m=17 s=0
